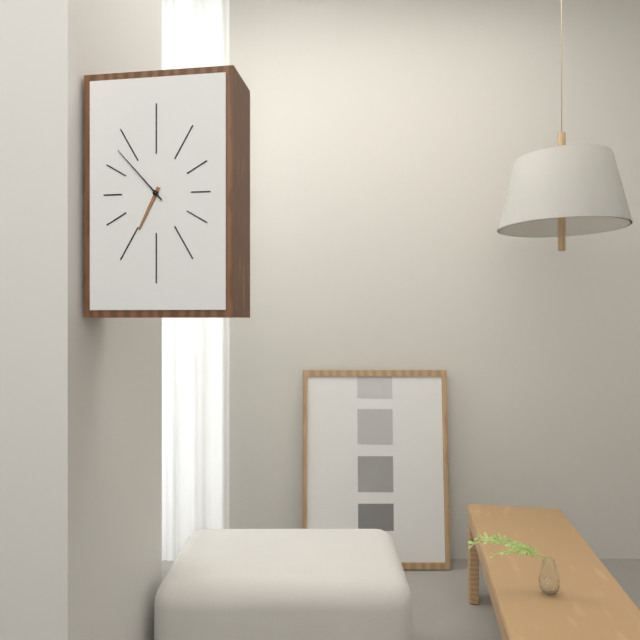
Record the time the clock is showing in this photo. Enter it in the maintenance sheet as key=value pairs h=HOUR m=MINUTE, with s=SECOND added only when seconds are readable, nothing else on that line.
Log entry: h=6 m=53
